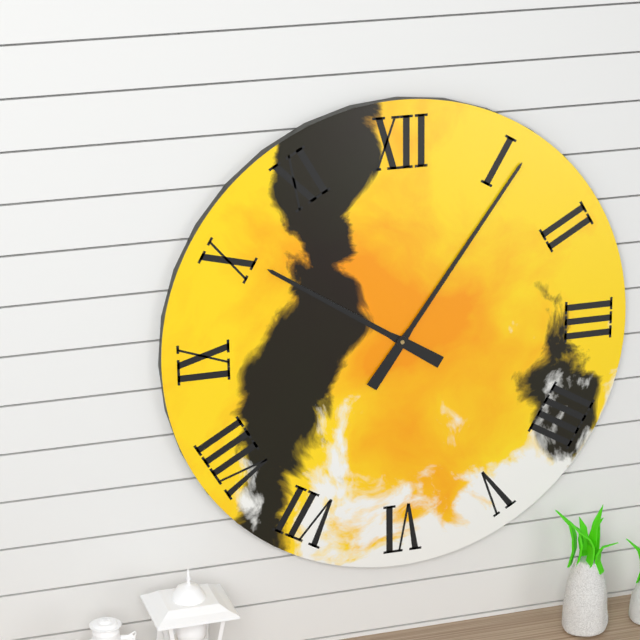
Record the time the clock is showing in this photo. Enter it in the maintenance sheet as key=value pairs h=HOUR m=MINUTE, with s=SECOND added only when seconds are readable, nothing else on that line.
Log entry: h=10 m=6
